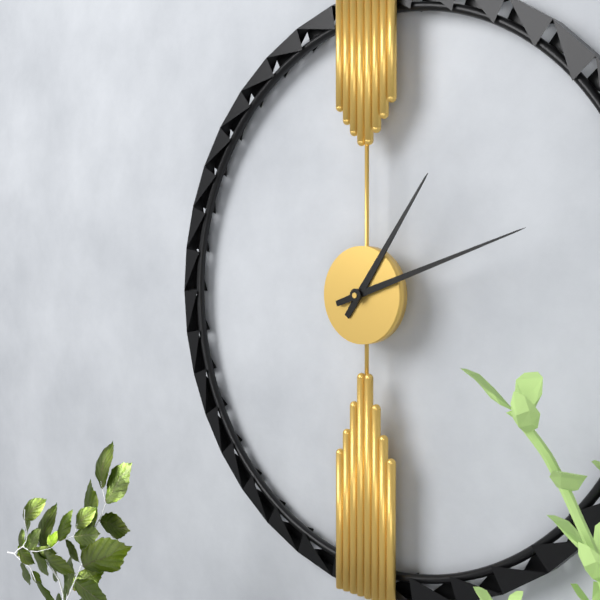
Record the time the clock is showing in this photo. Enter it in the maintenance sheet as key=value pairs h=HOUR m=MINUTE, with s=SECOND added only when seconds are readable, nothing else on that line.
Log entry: h=1 m=12
